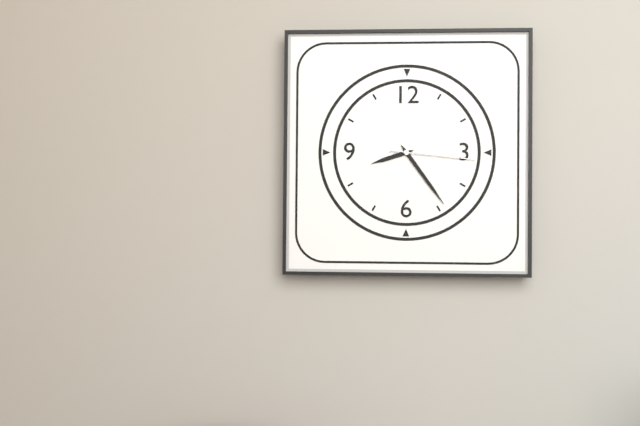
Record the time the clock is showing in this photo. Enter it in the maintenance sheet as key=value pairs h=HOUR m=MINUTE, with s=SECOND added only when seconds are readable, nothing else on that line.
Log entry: h=8 m=24 s=16
